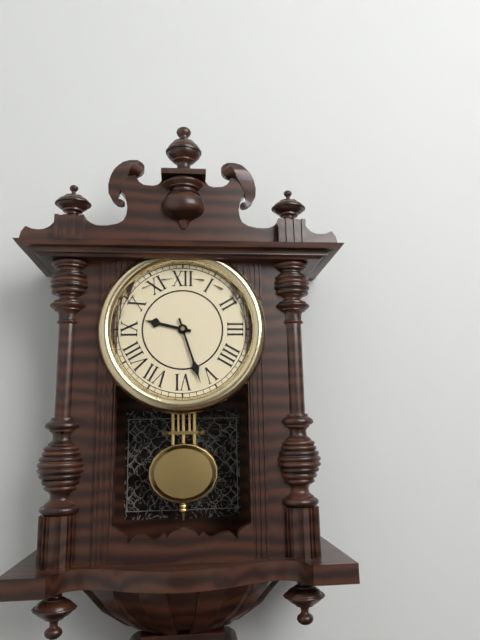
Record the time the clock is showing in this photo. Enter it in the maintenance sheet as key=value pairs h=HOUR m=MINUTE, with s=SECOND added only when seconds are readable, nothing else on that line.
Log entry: h=9 m=27
